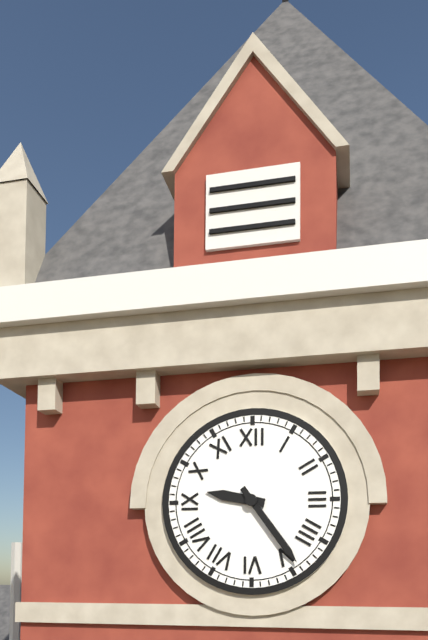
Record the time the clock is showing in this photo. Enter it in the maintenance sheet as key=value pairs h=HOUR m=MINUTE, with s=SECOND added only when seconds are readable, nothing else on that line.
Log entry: h=9 m=24
